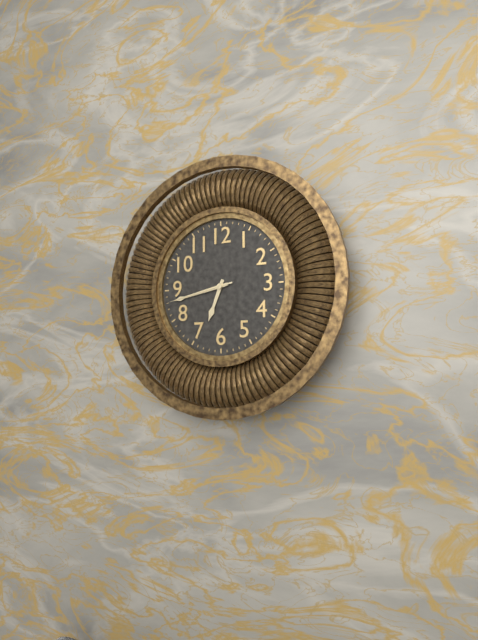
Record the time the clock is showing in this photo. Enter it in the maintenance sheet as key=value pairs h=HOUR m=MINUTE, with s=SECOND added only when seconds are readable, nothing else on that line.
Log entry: h=6 m=43 s=43
